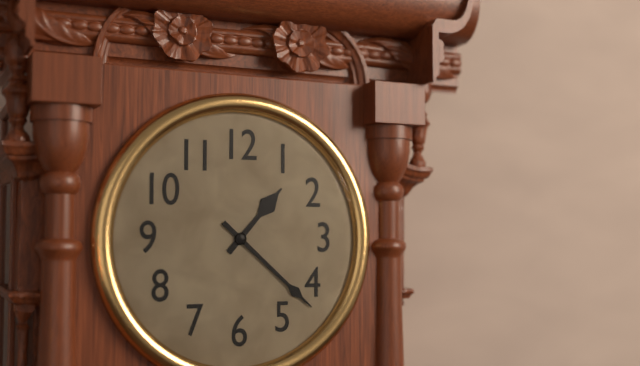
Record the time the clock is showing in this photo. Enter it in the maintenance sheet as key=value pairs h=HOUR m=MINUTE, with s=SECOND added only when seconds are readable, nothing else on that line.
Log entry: h=1 m=22
